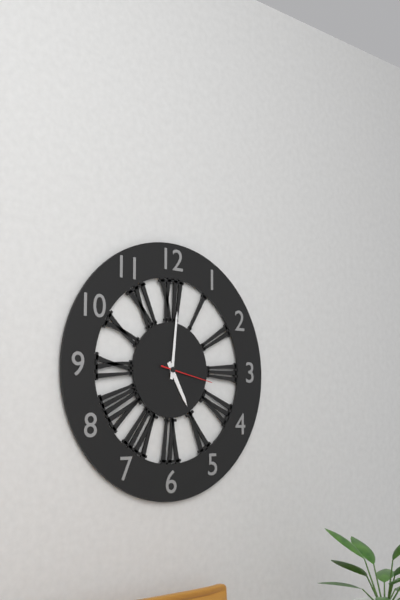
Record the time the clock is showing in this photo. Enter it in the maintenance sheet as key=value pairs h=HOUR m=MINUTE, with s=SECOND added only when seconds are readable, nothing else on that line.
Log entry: h=5 m=1 s=17
